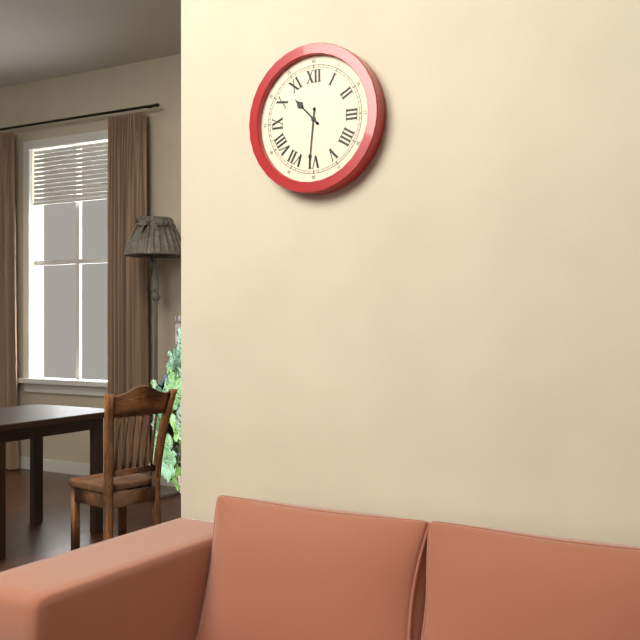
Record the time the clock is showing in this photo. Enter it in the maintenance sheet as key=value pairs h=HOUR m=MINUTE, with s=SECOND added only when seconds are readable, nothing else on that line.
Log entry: h=10 m=31
